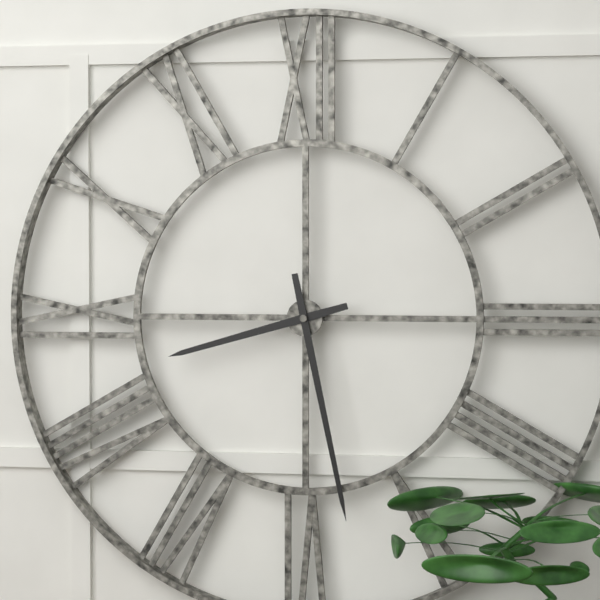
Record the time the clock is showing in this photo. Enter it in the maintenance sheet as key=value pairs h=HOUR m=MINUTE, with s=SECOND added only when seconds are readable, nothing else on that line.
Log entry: h=8 m=28
